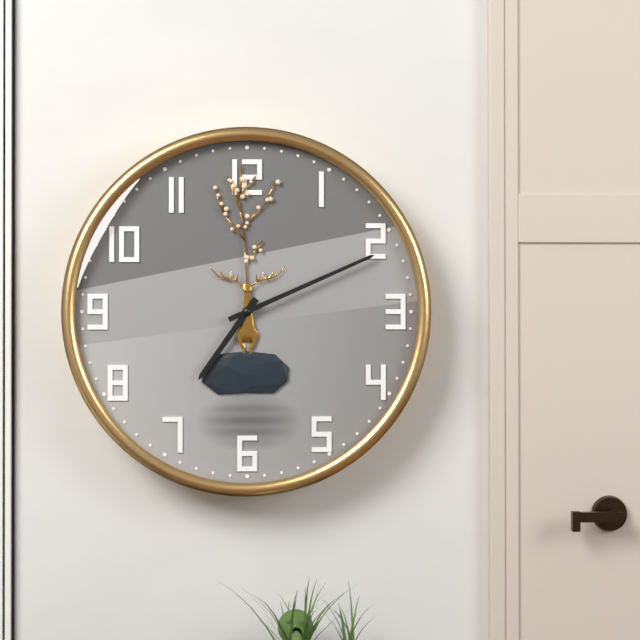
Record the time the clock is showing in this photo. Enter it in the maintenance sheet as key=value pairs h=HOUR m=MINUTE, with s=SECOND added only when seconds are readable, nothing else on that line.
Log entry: h=7 m=11
